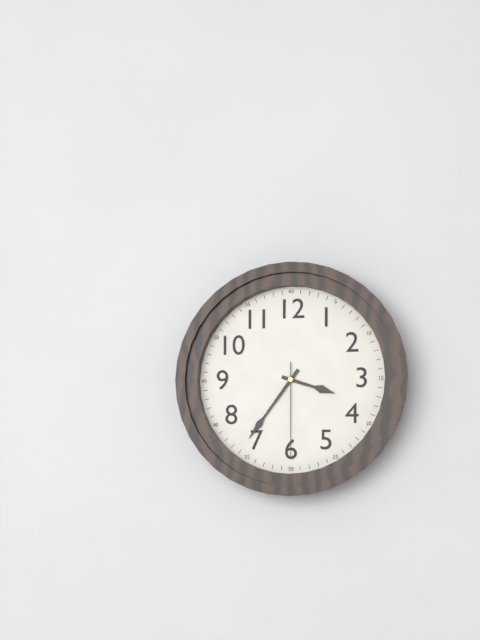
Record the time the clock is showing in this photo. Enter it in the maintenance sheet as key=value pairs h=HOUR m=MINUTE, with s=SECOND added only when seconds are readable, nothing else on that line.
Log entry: h=3 m=36 s=30
